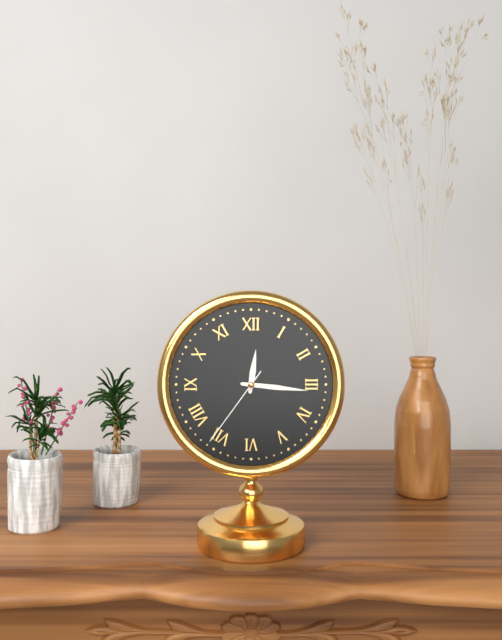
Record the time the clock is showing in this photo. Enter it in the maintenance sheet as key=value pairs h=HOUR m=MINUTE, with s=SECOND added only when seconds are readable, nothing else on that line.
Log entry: h=12 m=16 s=36
